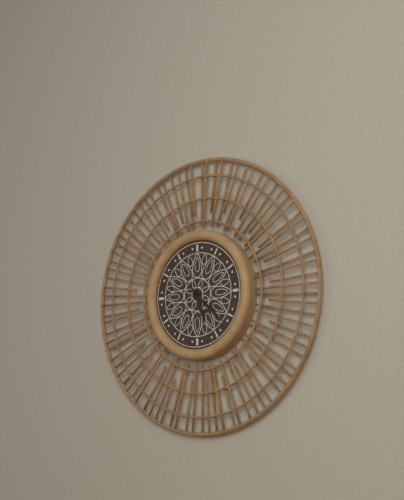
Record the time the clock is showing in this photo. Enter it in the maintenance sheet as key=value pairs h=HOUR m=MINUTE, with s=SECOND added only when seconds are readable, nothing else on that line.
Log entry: h=5 m=22
